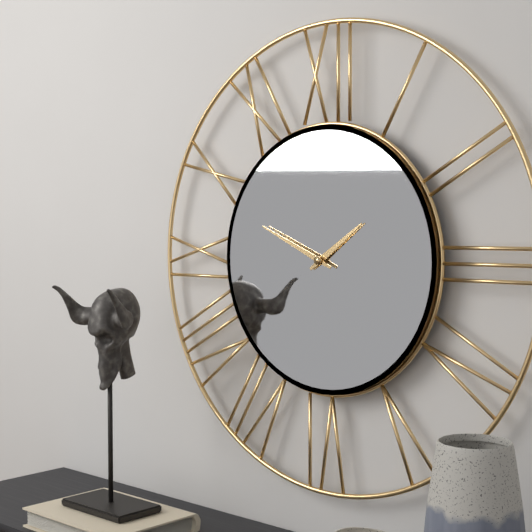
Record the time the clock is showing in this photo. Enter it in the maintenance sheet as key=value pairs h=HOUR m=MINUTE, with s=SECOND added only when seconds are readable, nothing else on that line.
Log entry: h=1 m=49
